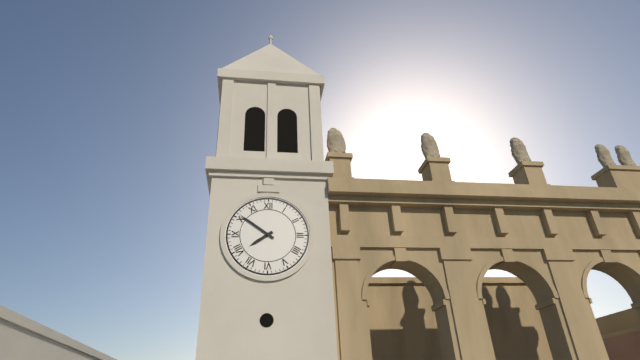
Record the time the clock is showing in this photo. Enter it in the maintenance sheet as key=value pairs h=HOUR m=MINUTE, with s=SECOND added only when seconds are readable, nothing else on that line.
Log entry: h=7 m=51
